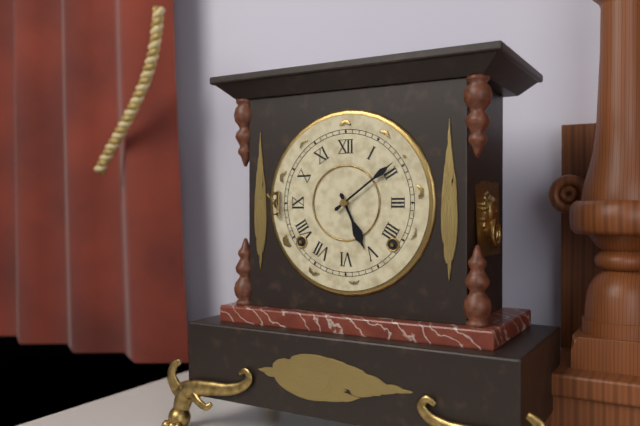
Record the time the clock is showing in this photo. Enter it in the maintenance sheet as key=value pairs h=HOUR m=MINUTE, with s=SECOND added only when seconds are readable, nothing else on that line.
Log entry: h=5 m=9
